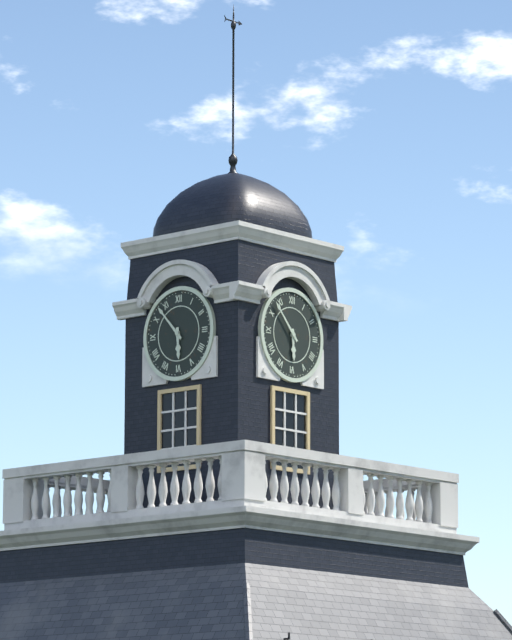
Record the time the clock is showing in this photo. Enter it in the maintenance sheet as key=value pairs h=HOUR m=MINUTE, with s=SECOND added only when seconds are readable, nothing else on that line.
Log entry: h=5 m=53
